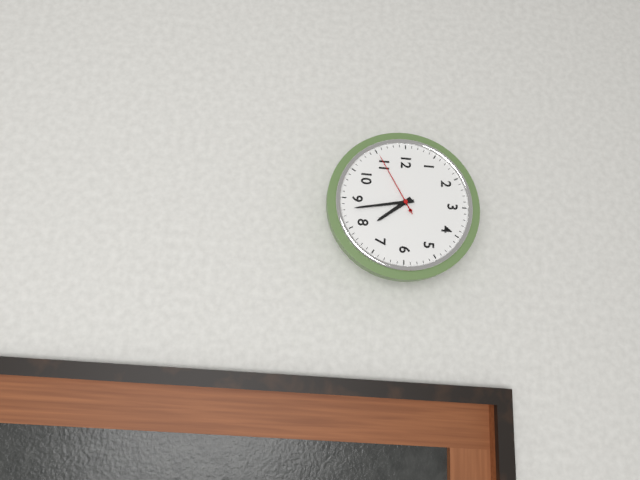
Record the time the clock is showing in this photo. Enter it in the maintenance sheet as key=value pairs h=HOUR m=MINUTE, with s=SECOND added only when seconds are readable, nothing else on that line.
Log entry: h=7 m=43 s=55
